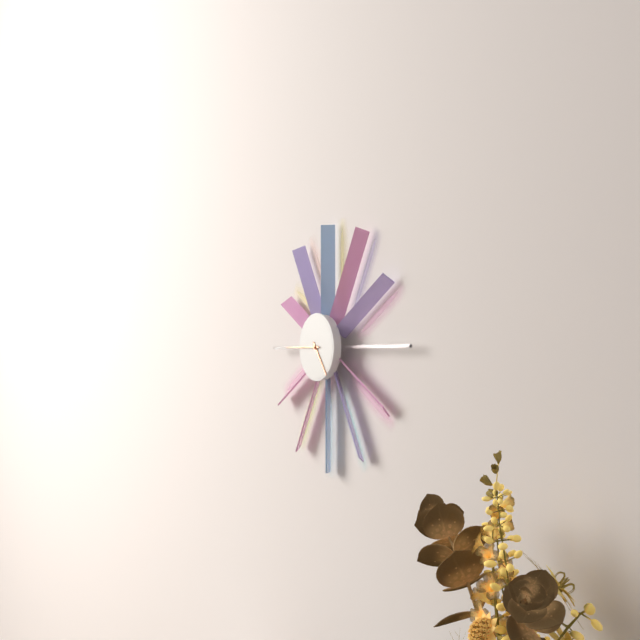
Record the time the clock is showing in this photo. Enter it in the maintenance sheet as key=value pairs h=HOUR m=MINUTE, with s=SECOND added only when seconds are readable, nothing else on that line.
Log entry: h=4 m=45
